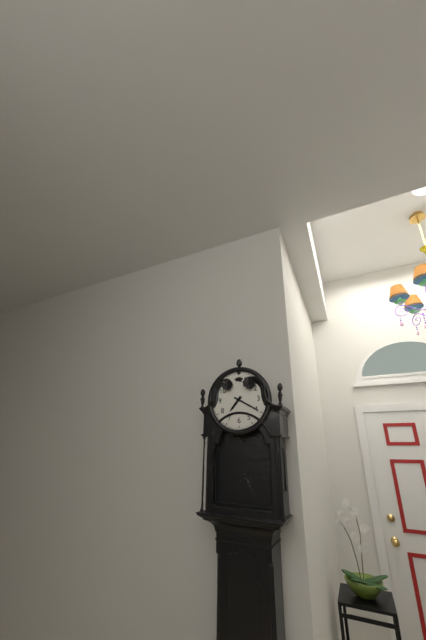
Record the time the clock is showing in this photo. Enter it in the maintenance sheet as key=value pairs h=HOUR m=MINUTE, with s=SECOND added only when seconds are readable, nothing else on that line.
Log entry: h=7 m=20
